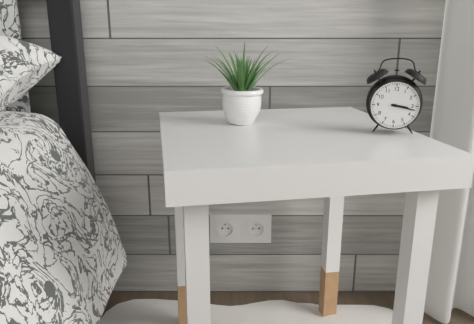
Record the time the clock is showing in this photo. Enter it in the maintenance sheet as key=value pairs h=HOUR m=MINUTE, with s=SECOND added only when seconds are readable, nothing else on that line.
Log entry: h=3 m=17
